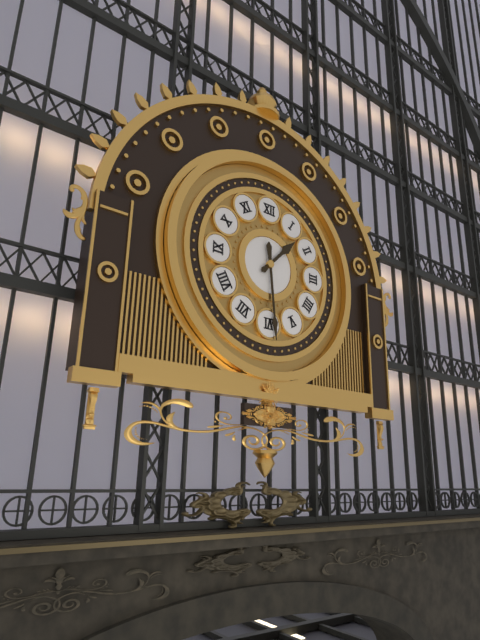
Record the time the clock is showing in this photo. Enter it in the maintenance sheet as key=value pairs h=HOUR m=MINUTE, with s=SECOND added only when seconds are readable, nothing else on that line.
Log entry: h=1 m=29
